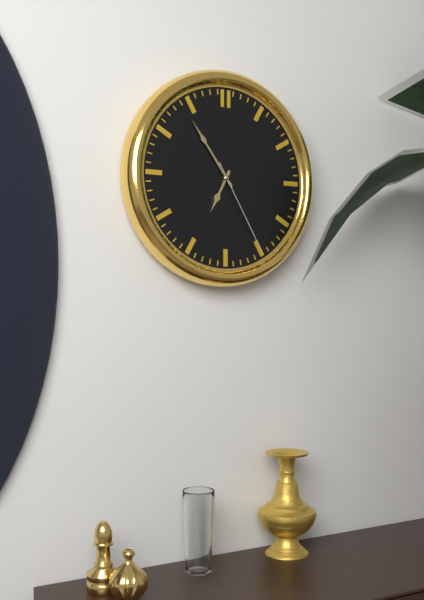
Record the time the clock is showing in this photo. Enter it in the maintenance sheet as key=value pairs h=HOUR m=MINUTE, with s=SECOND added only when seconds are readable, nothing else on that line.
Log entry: h=6 m=54 s=25
